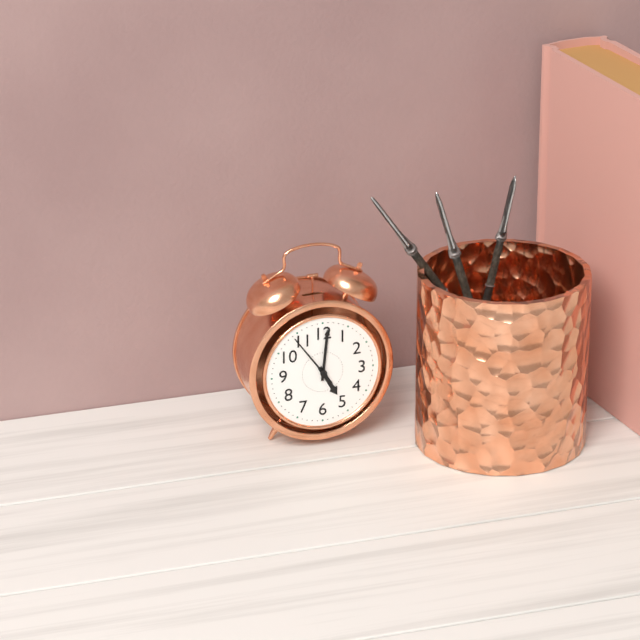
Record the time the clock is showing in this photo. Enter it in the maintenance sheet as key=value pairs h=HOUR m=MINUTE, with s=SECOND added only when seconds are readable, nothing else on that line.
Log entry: h=5 m=1 s=54
